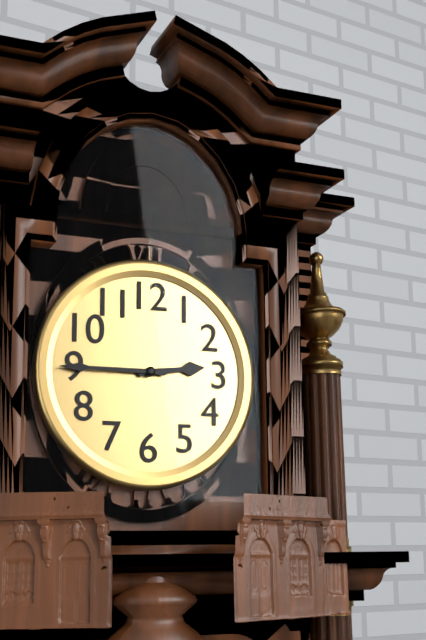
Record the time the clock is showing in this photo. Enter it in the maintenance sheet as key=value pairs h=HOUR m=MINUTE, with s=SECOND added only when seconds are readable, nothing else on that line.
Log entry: h=2 m=45
